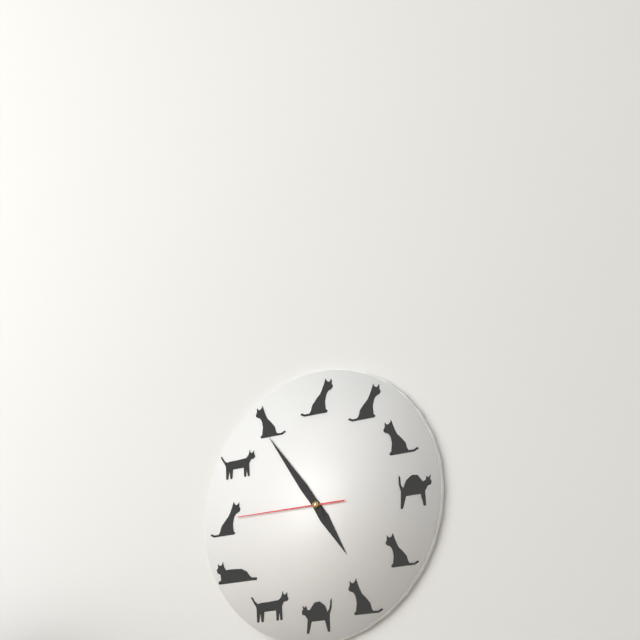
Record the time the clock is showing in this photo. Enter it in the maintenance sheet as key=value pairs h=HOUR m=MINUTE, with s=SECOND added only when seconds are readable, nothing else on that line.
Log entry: h=4 m=54 s=45
